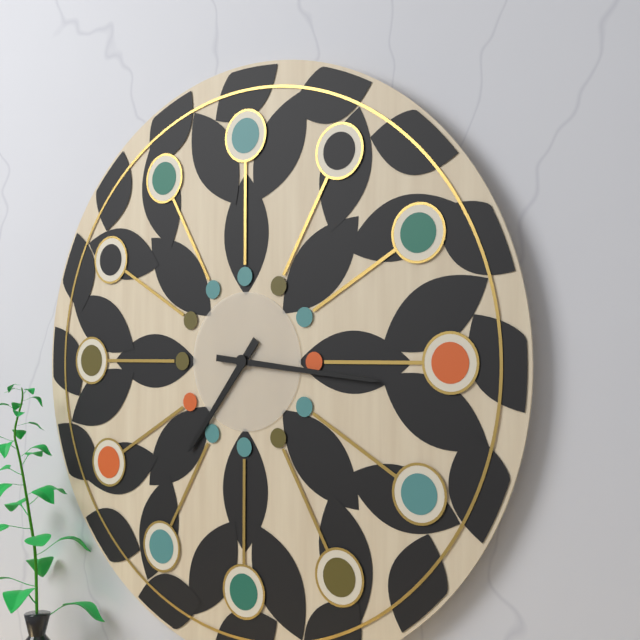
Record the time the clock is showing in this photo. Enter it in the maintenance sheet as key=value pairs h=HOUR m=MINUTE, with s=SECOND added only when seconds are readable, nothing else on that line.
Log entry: h=7 m=16
